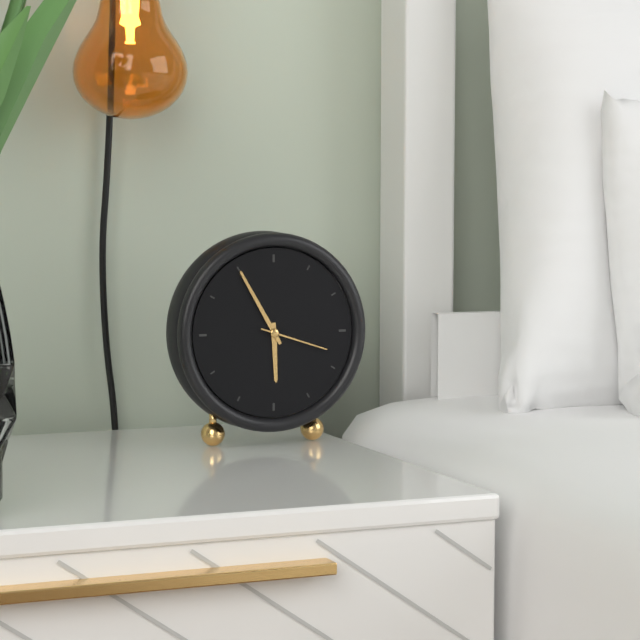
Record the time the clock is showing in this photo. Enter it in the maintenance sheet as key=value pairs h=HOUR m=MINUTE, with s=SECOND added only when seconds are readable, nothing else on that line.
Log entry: h=5 m=55 s=18
